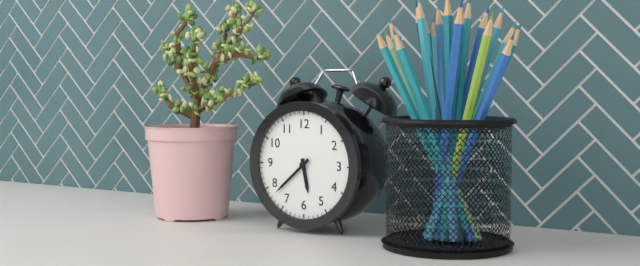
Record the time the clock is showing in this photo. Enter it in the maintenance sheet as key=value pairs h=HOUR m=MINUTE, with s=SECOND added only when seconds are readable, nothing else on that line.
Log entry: h=5 m=38
